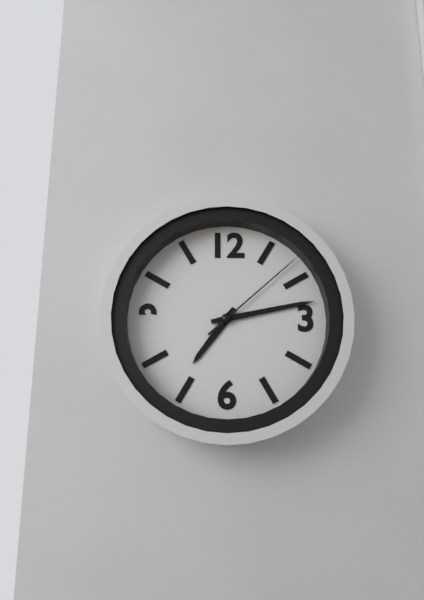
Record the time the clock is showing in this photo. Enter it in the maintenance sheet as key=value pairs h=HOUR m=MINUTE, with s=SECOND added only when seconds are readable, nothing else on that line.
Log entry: h=7 m=13 s=8
